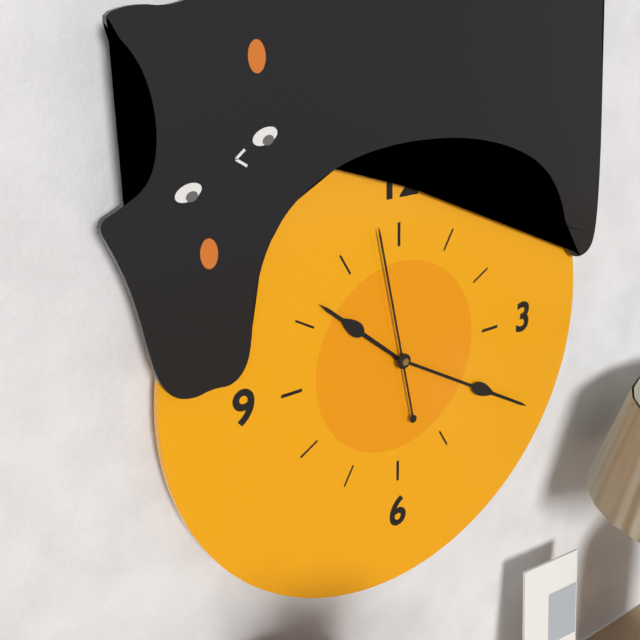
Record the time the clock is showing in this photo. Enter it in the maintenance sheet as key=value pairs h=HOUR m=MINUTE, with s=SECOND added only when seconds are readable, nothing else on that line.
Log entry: h=10 m=20 s=58
